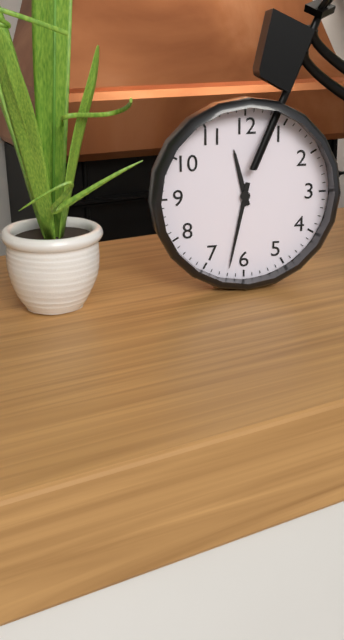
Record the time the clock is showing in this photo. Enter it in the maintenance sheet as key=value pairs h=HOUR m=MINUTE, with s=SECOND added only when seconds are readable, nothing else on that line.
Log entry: h=11 m=32
